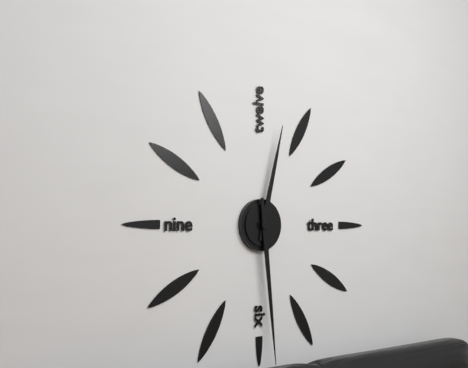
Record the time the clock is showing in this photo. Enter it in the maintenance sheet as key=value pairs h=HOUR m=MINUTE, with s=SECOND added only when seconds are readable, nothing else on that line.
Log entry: h=12 m=29
